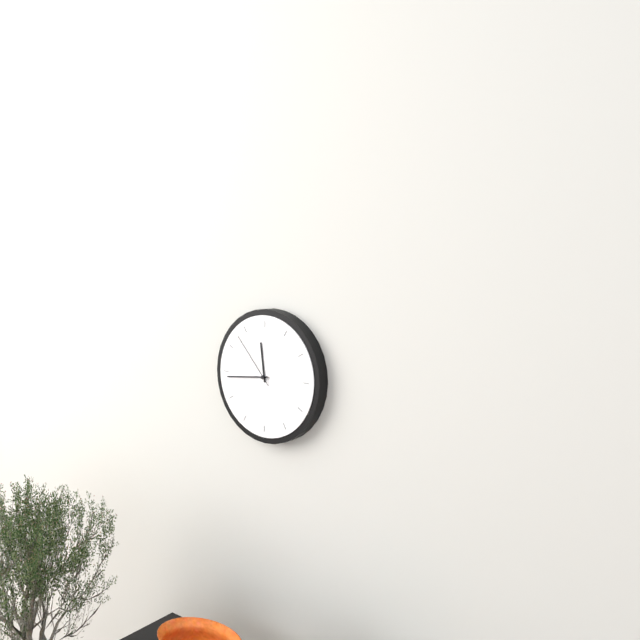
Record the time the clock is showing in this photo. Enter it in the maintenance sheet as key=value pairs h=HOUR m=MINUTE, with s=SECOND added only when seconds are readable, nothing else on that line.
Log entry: h=11 m=44 s=53
